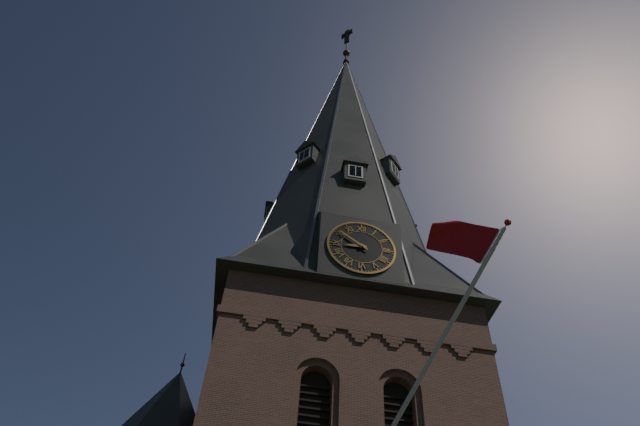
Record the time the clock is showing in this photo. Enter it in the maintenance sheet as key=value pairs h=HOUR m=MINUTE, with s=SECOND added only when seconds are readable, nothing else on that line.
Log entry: h=8 m=51
